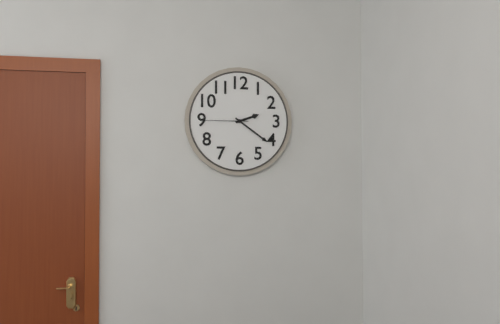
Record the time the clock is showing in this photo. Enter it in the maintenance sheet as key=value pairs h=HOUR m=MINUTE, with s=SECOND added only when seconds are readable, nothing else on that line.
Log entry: h=2 m=21
